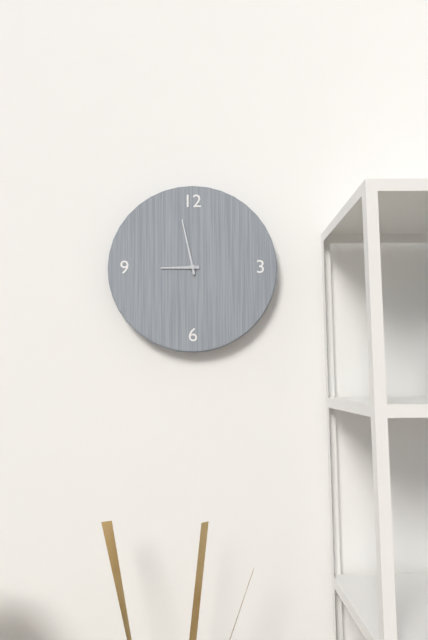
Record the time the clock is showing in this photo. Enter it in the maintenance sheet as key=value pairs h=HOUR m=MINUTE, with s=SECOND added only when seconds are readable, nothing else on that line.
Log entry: h=8 m=58
